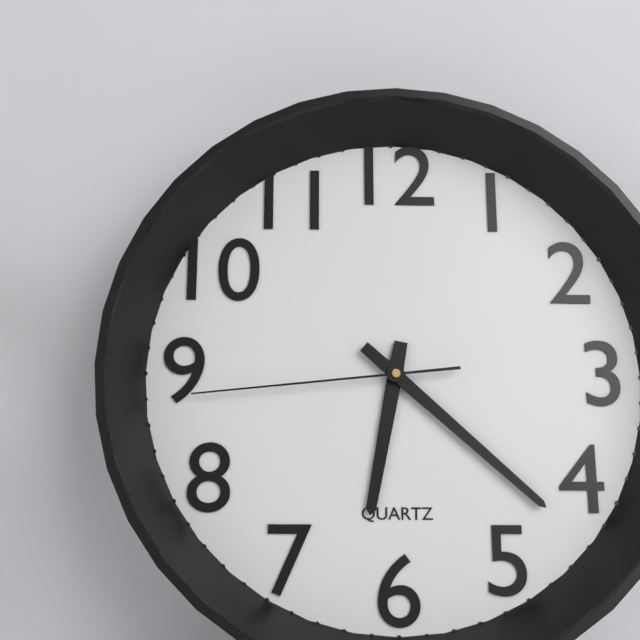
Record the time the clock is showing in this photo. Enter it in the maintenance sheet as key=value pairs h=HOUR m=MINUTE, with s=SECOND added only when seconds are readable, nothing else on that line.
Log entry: h=6 m=22 s=44
